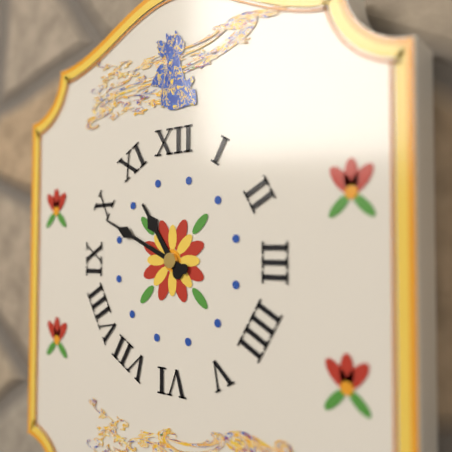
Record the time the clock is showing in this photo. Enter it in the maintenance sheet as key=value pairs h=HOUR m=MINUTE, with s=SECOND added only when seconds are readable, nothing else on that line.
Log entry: h=10 m=49
